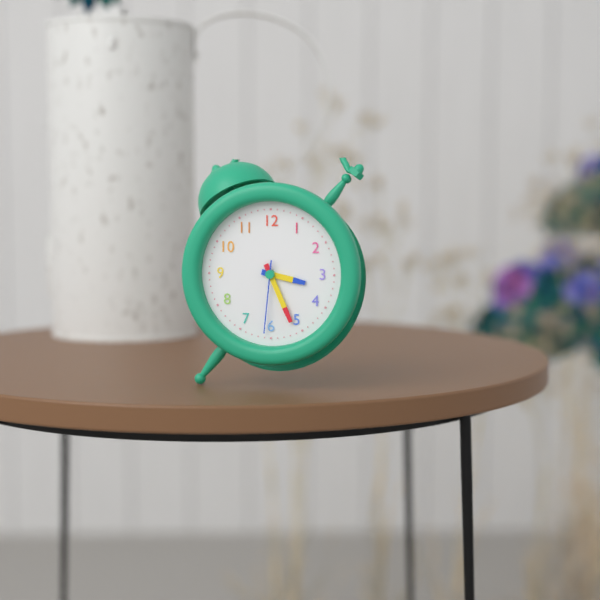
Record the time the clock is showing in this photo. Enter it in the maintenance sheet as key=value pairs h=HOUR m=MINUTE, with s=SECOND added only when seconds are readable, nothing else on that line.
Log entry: h=3 m=26 s=31
